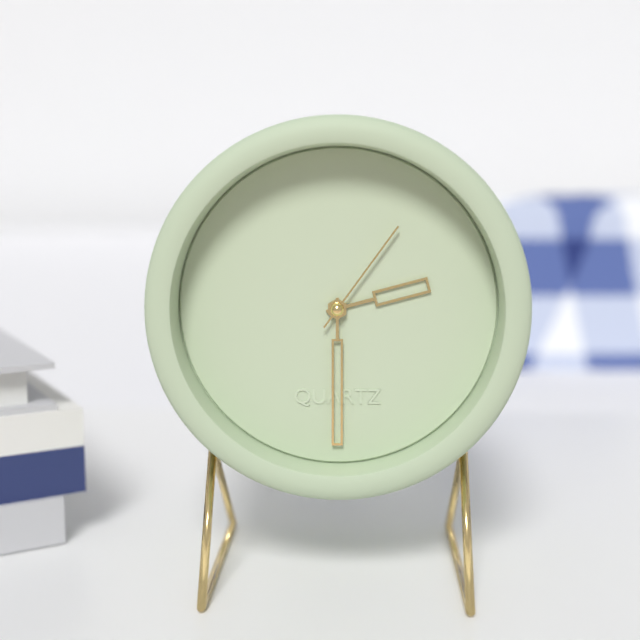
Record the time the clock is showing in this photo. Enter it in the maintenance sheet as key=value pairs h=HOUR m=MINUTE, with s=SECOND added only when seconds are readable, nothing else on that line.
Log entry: h=2 m=30 s=6
